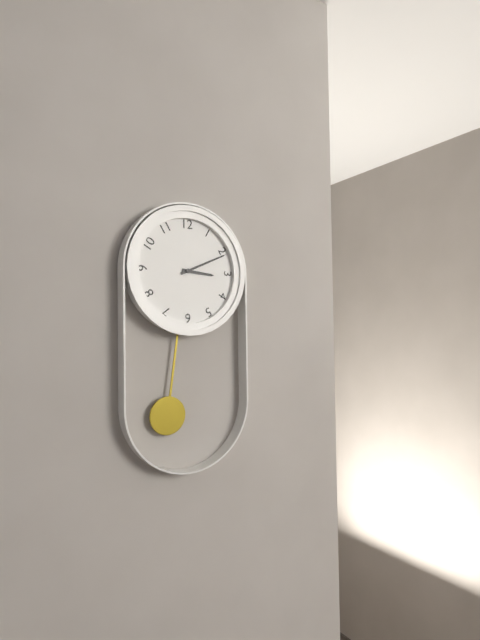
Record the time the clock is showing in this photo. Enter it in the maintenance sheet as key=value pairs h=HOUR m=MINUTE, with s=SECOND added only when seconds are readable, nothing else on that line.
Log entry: h=3 m=11
